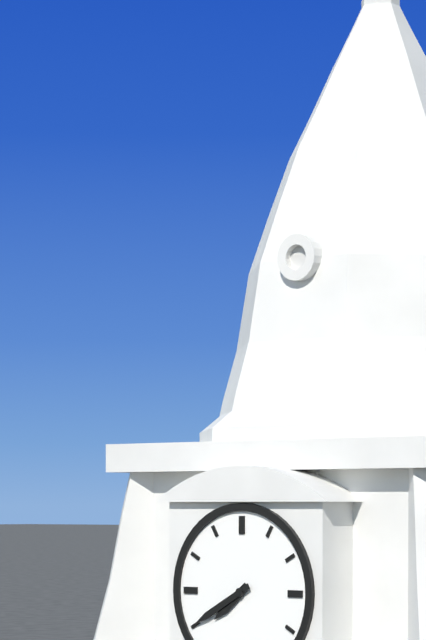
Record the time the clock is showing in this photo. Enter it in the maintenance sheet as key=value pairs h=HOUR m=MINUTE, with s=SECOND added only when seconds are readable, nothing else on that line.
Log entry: h=7 m=40
